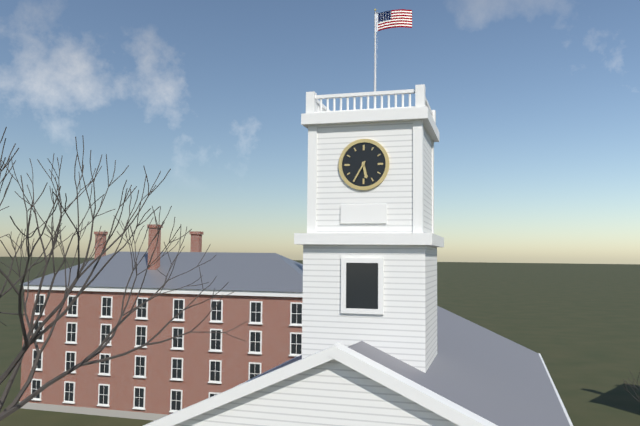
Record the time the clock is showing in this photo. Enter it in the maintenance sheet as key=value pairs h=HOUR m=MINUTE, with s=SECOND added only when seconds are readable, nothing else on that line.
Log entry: h=5 m=35
